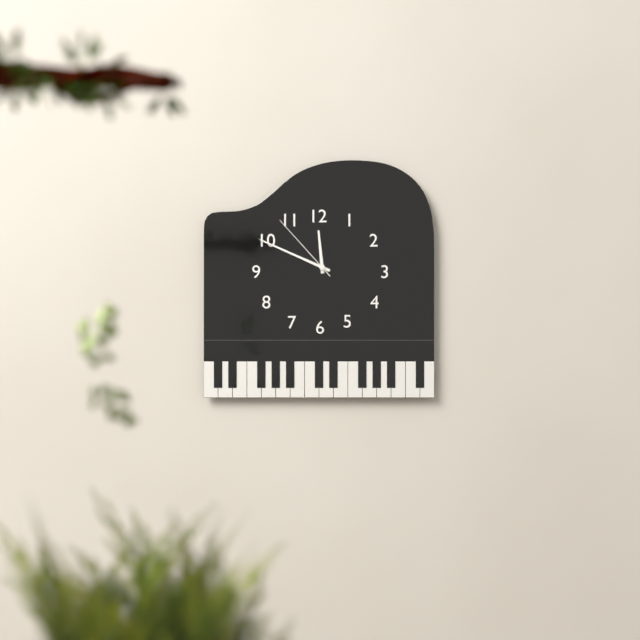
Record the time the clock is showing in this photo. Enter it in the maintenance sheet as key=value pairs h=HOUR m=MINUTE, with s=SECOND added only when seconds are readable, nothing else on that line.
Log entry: h=11 m=49 s=53
